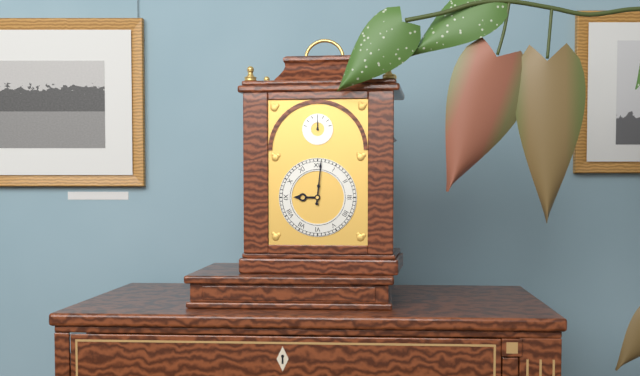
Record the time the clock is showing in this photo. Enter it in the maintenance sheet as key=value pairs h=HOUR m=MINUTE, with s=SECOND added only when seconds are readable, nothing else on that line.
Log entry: h=9 m=1
